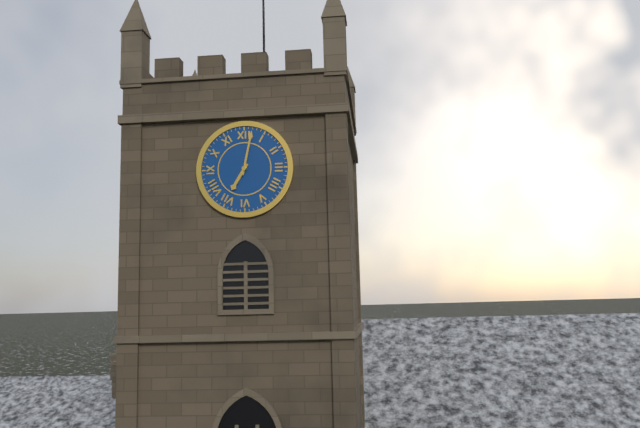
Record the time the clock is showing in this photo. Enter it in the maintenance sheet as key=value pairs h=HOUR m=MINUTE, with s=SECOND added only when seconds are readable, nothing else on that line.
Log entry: h=7 m=2
